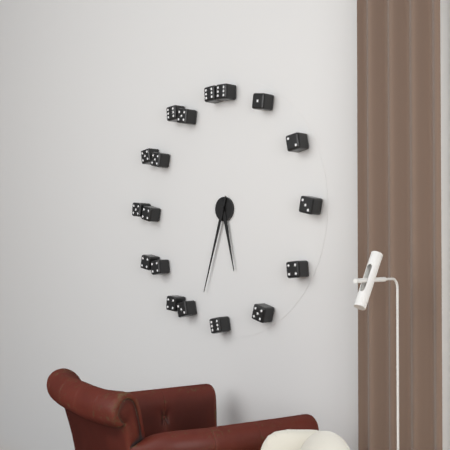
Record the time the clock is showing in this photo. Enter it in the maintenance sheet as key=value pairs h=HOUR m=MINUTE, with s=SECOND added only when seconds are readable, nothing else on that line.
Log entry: h=5 m=33
